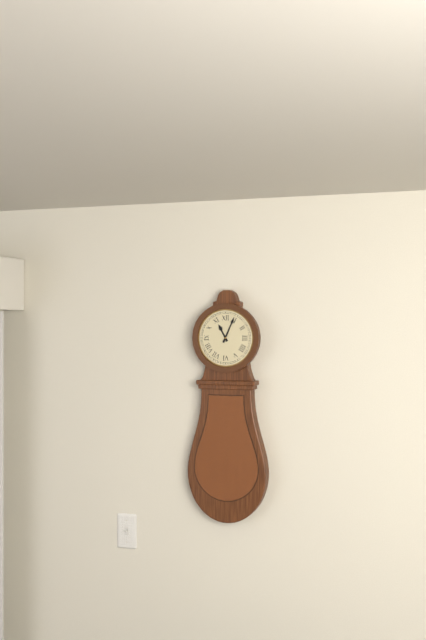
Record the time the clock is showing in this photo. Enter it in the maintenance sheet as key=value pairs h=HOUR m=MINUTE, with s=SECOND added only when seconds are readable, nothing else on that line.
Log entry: h=11 m=4
